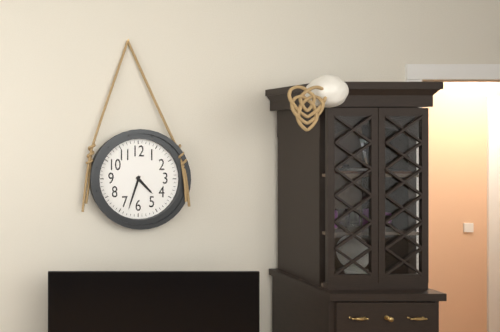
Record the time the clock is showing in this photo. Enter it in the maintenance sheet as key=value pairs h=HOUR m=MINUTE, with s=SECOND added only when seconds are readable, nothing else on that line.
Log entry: h=4 m=33
